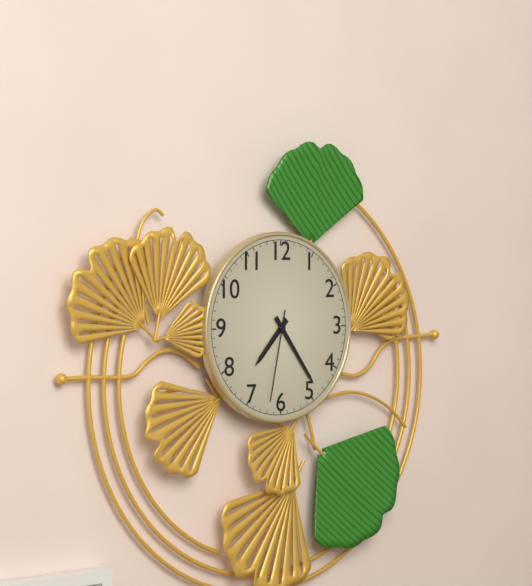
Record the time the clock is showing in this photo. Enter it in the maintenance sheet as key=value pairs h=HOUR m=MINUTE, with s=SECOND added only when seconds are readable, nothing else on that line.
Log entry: h=7 m=24 s=32
